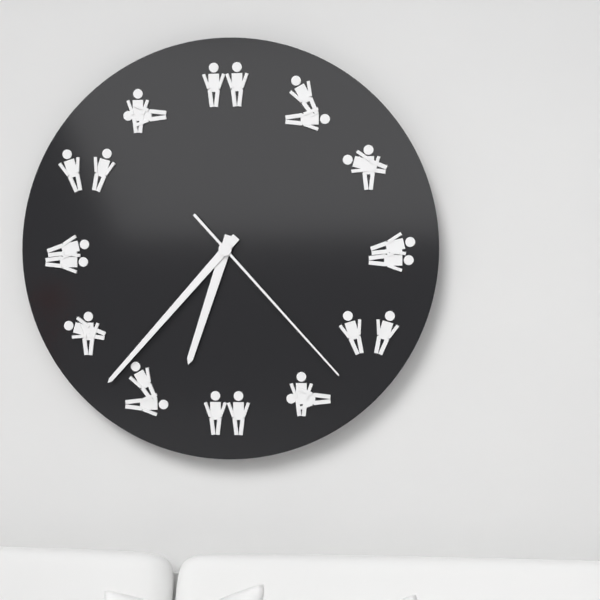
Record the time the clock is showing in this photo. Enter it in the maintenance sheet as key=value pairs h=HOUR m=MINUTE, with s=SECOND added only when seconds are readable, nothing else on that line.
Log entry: h=6 m=37 s=23
